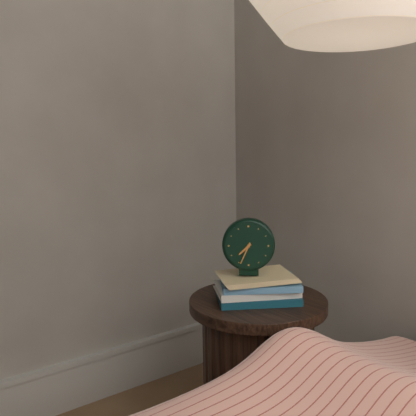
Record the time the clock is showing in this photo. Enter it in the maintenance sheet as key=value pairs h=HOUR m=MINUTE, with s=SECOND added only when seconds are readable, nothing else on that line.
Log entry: h=7 m=34
